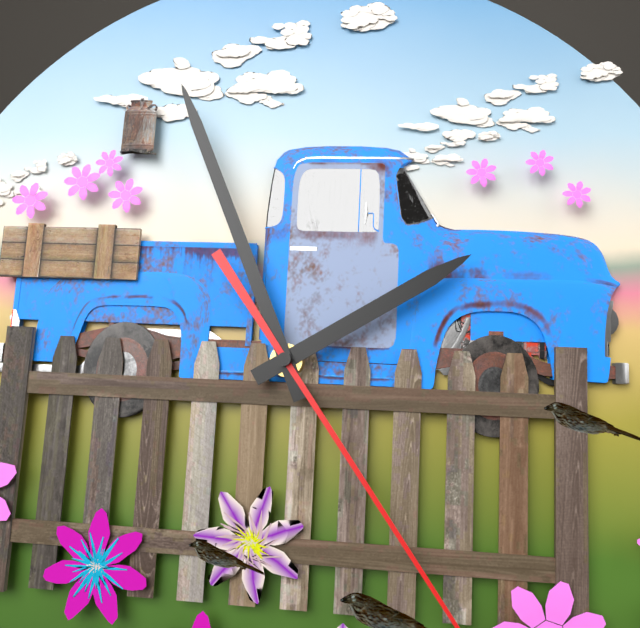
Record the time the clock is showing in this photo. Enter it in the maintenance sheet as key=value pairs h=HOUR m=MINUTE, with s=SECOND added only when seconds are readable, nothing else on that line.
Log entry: h=1 m=56
